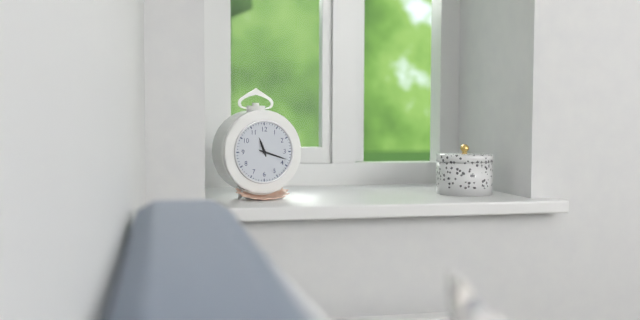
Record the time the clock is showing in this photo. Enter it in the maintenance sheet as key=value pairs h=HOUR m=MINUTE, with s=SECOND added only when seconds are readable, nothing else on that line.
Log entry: h=11 m=18
